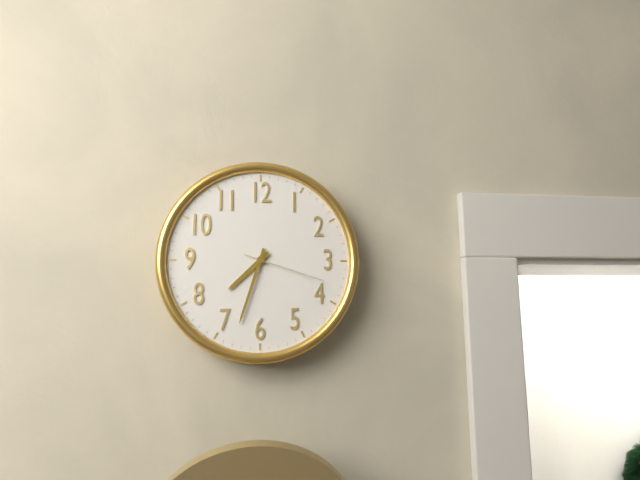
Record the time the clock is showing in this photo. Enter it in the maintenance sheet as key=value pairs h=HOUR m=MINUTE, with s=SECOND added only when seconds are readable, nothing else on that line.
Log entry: h=7 m=33 s=18
